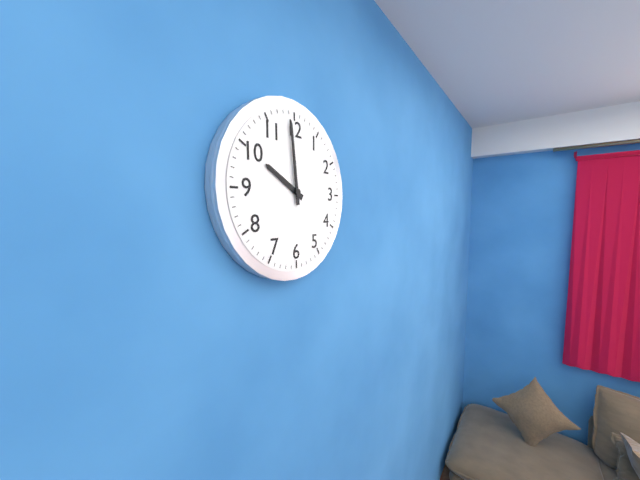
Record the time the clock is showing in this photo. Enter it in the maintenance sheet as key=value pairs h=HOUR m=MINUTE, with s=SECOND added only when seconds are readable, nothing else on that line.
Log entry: h=9 m=59
